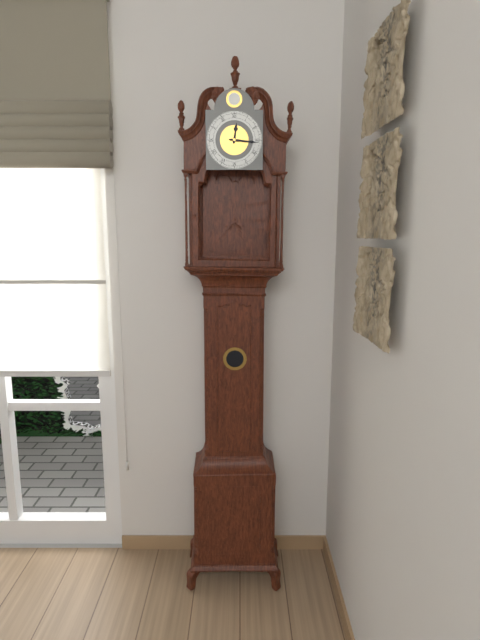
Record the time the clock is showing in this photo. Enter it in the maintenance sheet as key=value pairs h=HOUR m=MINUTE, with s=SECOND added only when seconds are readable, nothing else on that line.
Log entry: h=12 m=16
